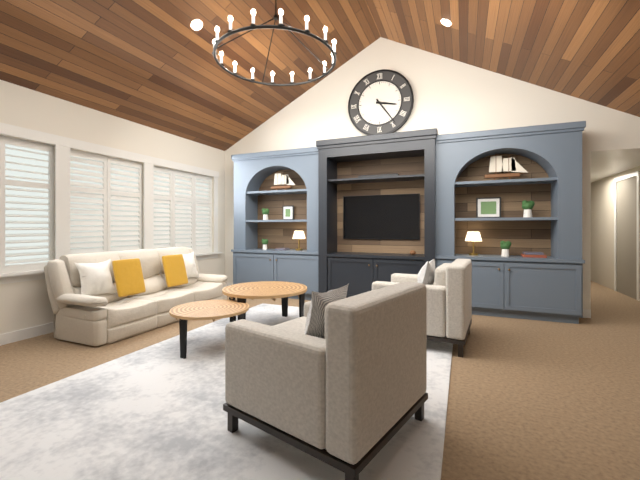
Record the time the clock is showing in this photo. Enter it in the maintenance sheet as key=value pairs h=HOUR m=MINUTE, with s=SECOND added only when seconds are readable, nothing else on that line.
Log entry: h=3 m=24
